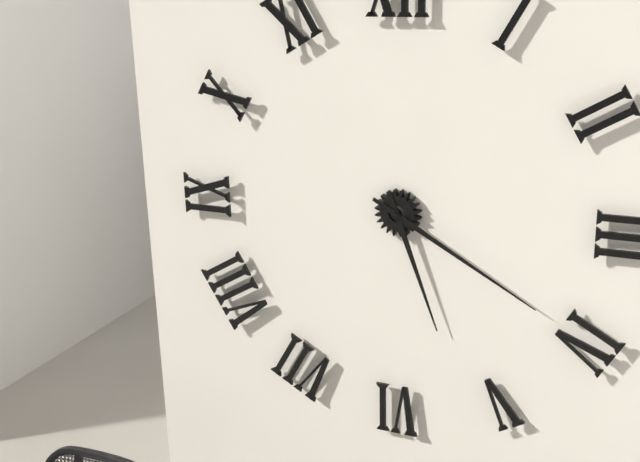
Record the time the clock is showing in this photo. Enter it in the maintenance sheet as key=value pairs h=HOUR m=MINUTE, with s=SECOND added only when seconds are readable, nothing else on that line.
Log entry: h=5 m=20
